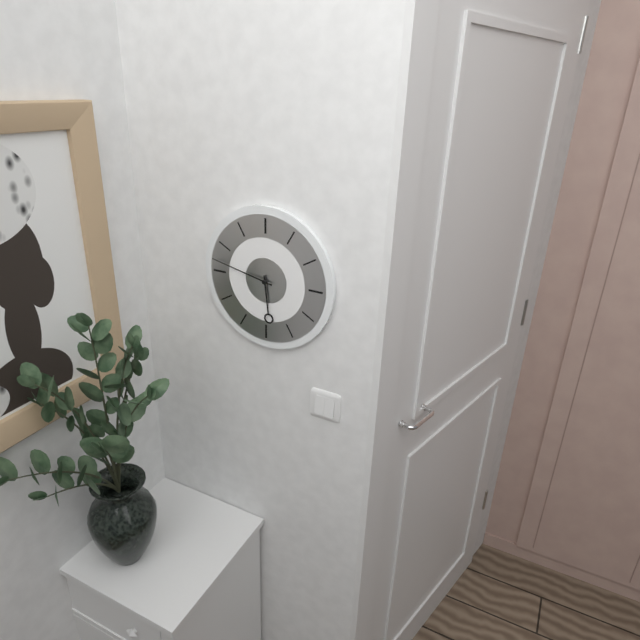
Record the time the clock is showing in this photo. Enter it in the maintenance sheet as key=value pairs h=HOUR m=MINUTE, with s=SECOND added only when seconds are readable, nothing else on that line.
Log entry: h=5 m=47
